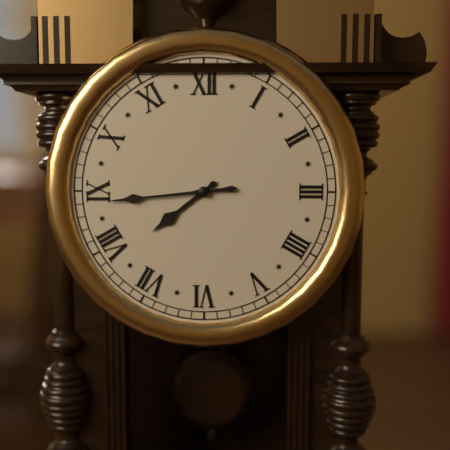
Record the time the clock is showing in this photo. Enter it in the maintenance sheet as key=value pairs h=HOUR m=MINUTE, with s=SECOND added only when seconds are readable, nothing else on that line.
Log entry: h=7 m=44
